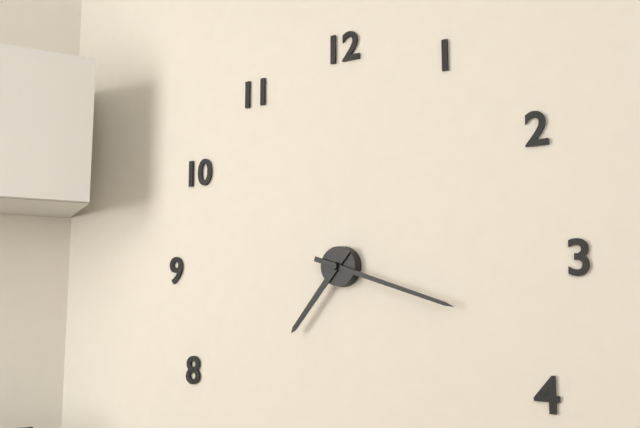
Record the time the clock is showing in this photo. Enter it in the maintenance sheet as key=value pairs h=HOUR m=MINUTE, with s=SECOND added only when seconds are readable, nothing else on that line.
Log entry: h=7 m=18
